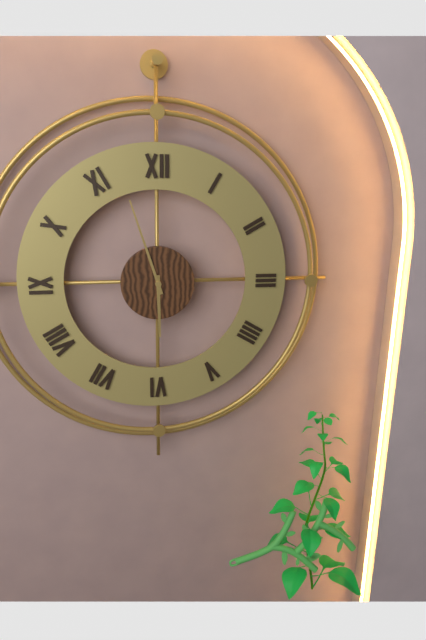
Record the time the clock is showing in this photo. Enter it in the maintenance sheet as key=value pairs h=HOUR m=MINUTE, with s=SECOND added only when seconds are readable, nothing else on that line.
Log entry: h=5 m=57
